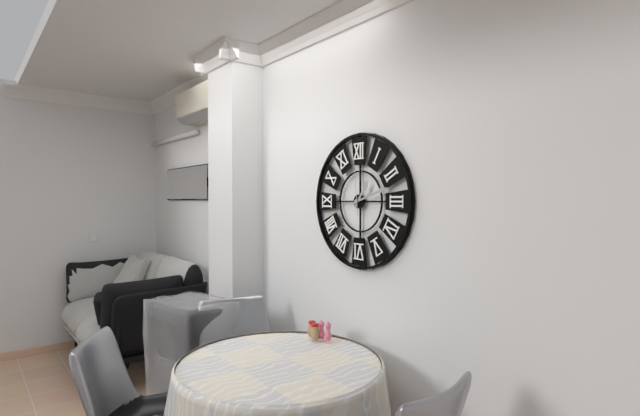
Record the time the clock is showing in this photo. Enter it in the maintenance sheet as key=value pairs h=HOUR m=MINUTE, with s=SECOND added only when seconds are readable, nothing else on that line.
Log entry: h=1 m=12 s=59
